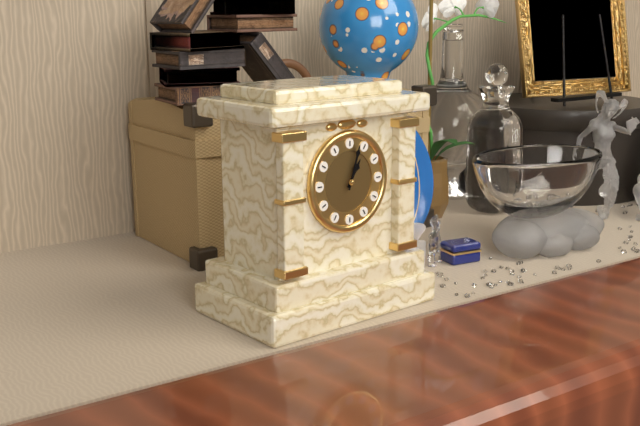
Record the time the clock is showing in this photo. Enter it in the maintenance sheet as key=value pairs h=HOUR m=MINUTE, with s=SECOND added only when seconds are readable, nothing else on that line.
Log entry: h=1 m=3
